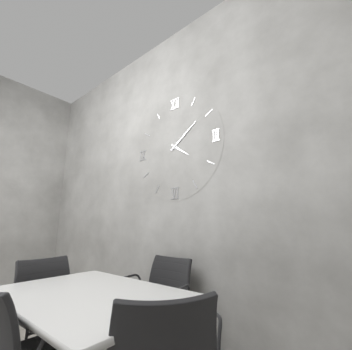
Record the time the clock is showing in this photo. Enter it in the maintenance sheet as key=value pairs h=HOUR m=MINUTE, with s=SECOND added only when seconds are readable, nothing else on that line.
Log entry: h=4 m=9
